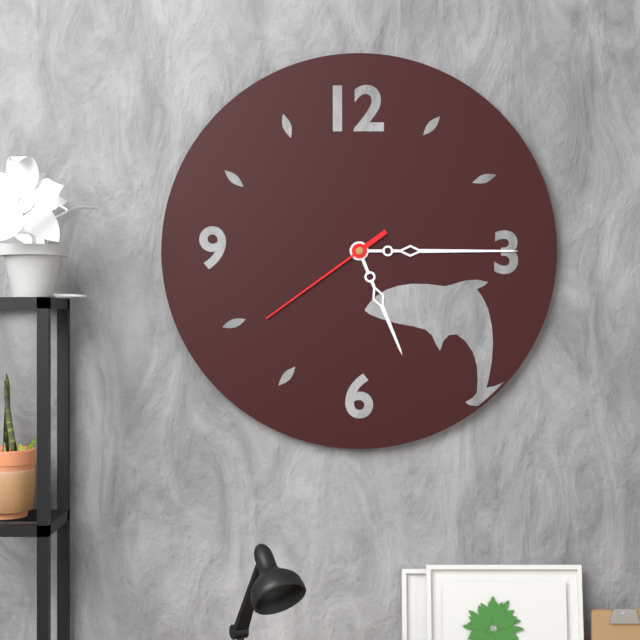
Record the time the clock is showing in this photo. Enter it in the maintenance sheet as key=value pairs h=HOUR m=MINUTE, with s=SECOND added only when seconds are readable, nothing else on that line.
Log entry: h=5 m=15 s=39
